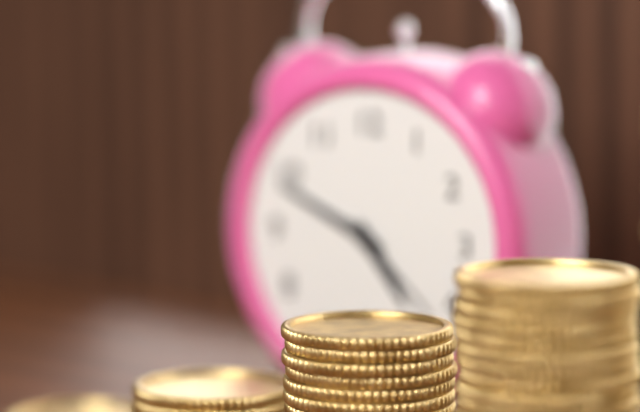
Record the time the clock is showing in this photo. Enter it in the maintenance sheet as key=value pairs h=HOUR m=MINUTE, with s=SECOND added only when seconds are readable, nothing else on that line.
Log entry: h=4 m=49 s=22
